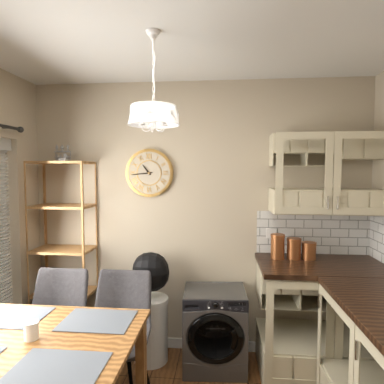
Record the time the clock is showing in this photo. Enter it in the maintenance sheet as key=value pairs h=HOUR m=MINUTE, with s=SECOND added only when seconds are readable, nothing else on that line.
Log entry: h=10 m=44
